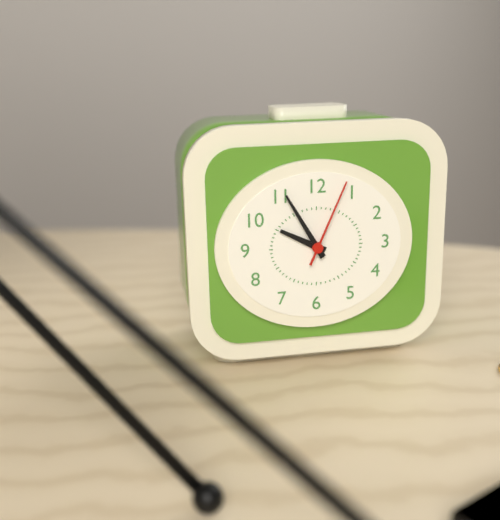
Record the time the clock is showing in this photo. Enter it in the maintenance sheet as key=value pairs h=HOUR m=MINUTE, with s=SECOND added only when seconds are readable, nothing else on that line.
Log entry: h=9 m=55 s=4
